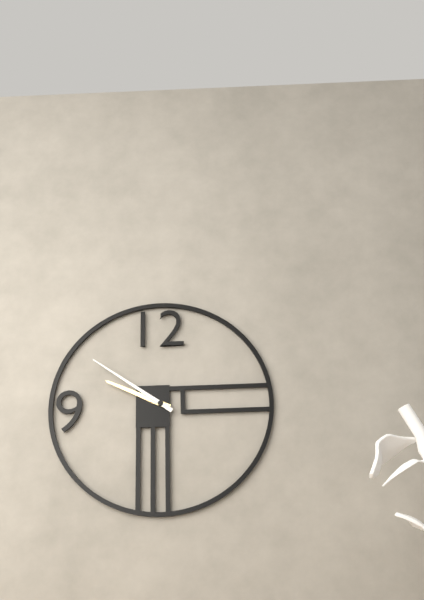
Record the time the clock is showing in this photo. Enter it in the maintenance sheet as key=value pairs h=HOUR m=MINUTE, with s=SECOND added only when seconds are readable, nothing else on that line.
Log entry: h=9 m=51
